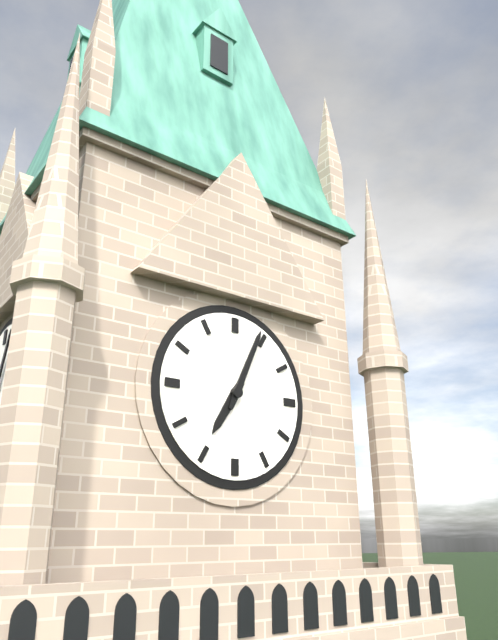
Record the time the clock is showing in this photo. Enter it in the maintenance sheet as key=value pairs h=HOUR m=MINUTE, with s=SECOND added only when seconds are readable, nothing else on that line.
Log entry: h=7 m=4
